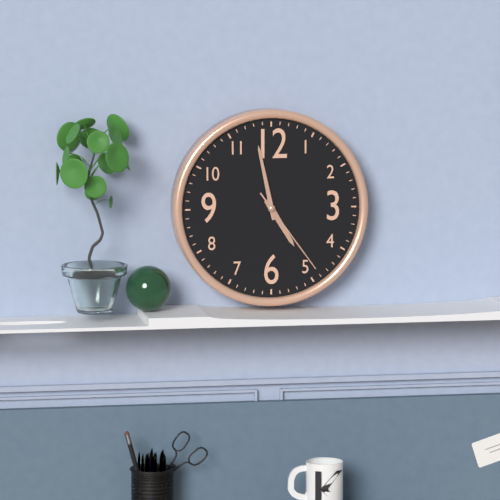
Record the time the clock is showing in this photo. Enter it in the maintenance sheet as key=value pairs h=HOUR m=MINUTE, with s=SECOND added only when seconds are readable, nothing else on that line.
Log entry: h=4 m=58 s=24
